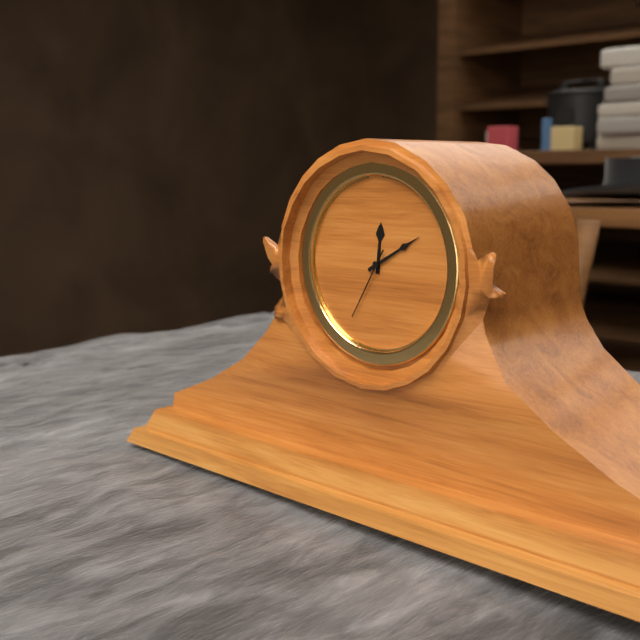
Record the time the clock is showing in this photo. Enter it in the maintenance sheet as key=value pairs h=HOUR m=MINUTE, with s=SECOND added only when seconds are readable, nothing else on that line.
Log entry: h=12 m=10 s=35
